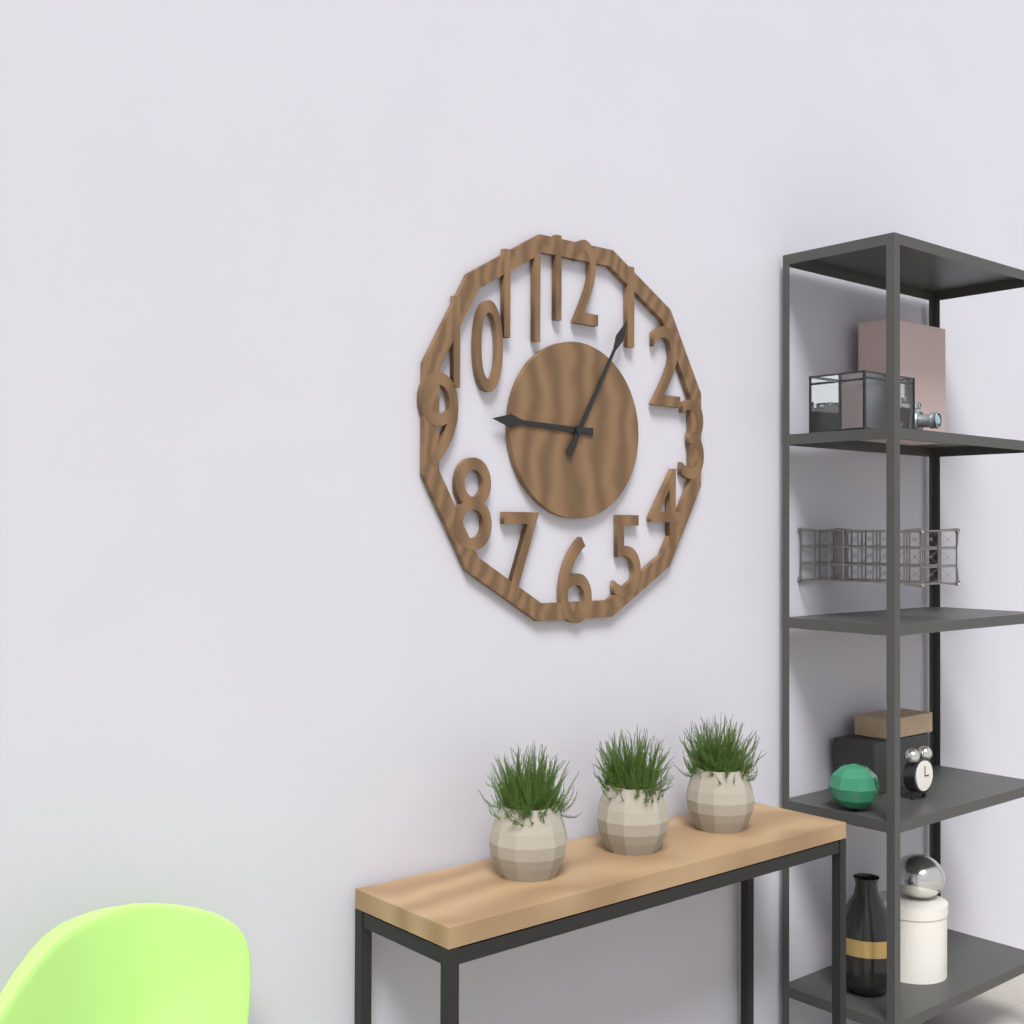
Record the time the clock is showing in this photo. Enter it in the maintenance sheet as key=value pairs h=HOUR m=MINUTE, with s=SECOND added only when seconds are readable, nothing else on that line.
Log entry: h=9 m=5
